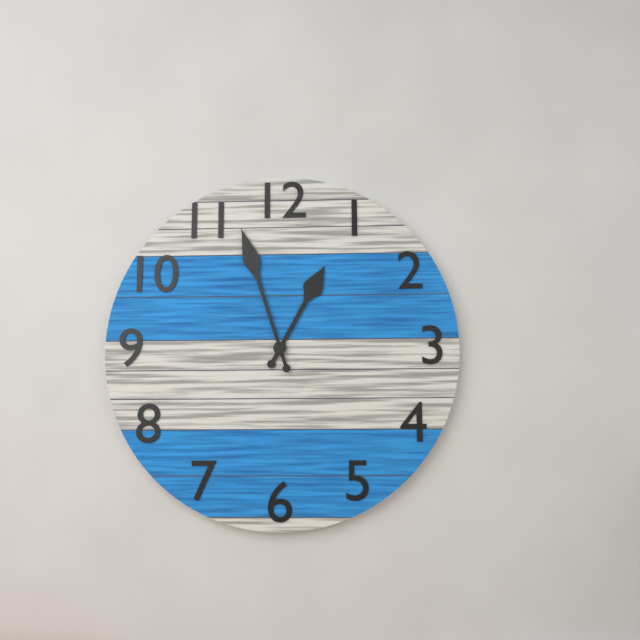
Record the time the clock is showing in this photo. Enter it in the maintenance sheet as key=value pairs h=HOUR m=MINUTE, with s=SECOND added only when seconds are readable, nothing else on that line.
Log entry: h=12 m=57
